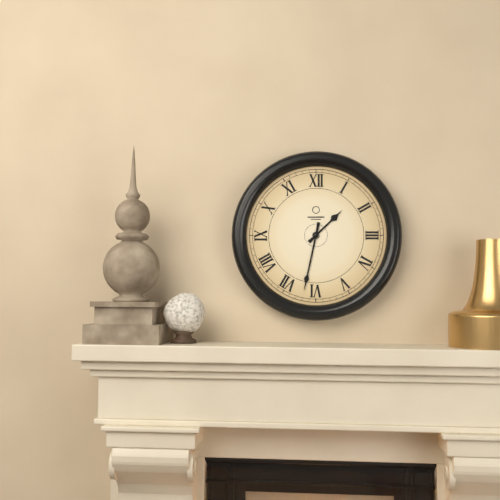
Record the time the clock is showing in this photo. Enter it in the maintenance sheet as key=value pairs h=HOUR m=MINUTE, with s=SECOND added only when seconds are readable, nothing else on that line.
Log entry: h=1 m=32
